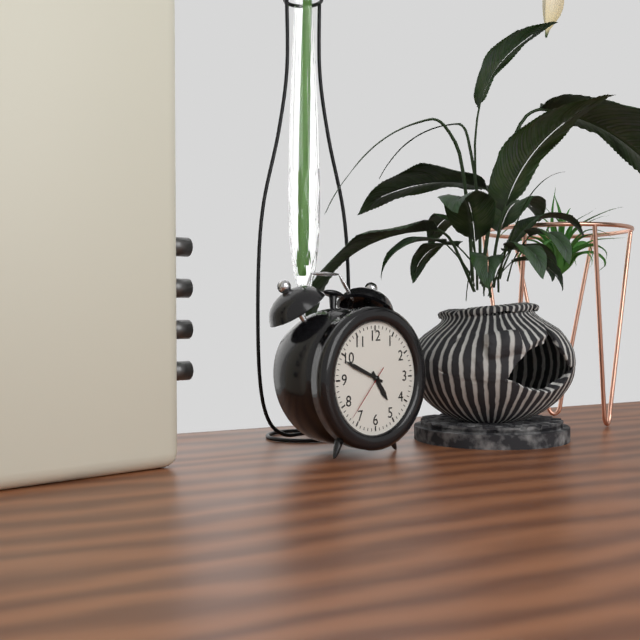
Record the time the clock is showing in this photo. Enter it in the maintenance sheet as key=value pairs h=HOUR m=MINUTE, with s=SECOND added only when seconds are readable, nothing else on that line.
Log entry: h=4 m=49 s=37
